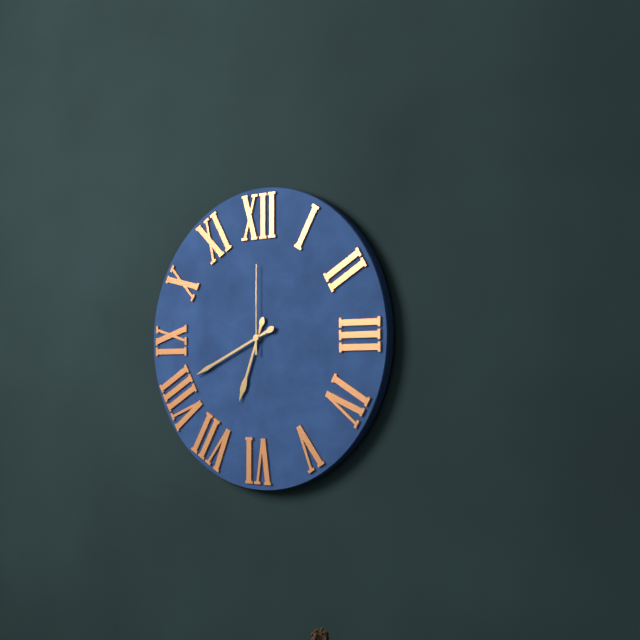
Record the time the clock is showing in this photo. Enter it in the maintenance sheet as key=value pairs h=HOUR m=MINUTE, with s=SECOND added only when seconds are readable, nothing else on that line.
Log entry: h=6 m=41 s=0
